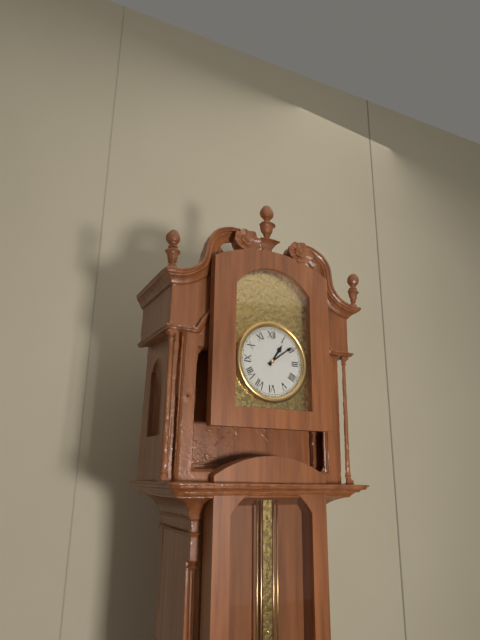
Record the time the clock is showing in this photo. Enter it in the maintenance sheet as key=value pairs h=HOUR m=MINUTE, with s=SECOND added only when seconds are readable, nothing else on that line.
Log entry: h=1 m=9
